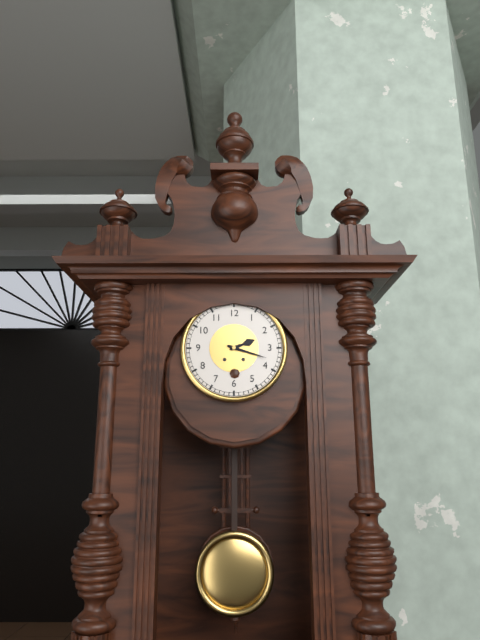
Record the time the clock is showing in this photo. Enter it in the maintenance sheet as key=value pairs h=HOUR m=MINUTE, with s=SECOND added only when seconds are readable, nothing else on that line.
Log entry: h=2 m=18
